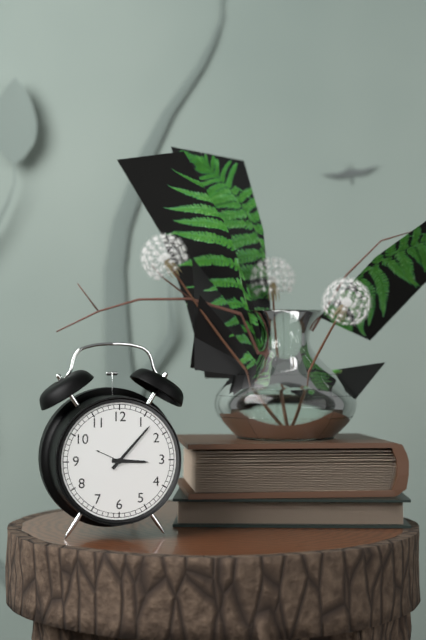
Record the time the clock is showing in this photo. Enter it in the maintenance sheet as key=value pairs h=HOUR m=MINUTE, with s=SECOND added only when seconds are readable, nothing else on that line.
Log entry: h=3 m=7
